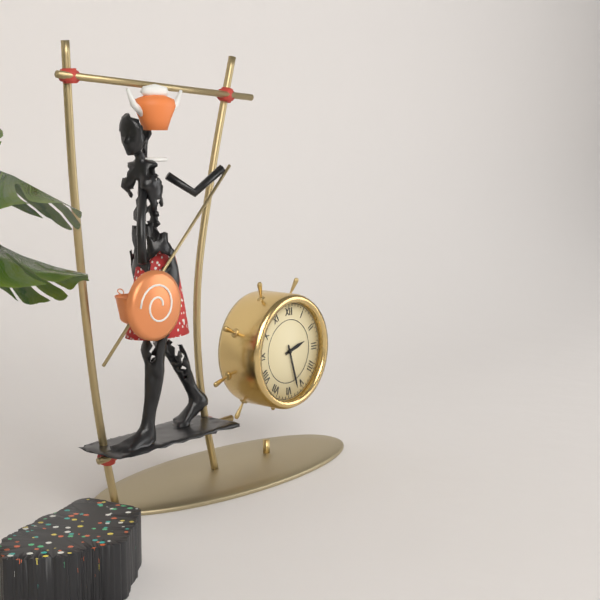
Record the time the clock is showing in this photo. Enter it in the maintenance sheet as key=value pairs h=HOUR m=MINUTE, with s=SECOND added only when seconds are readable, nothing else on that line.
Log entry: h=2 m=27
